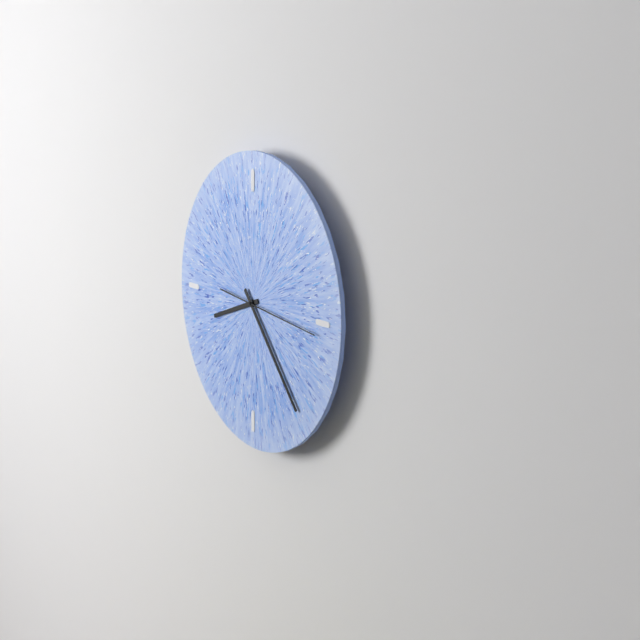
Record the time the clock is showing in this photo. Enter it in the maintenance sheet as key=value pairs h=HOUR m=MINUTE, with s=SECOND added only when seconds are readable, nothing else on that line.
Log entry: h=8 m=23 s=16
